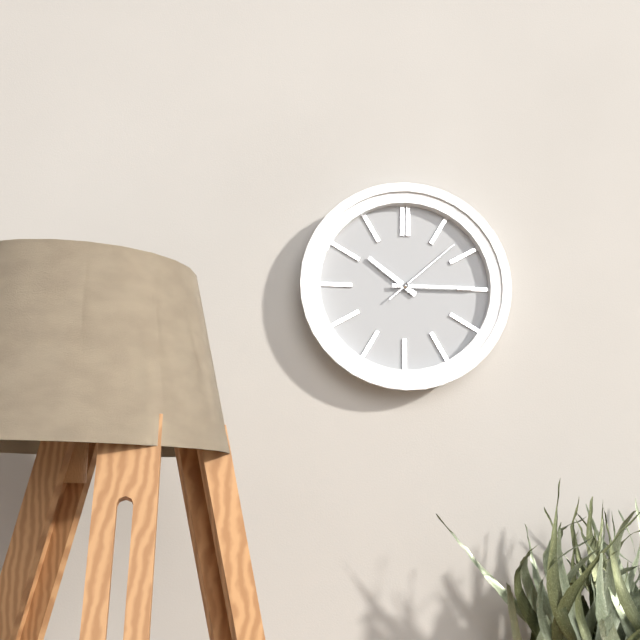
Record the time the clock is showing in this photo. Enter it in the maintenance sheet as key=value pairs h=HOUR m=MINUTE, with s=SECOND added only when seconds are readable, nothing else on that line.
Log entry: h=10 m=15 s=8
